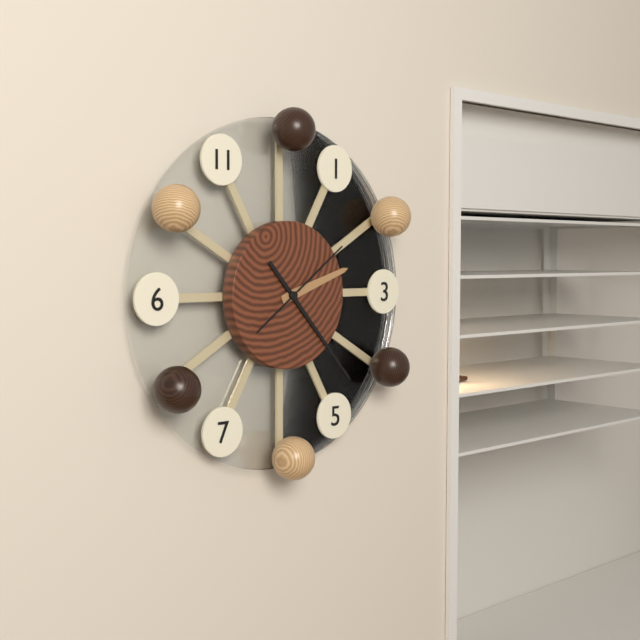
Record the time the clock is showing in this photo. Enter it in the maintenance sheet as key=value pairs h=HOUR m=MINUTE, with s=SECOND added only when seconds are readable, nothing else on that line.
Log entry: h=2 m=23 s=9
